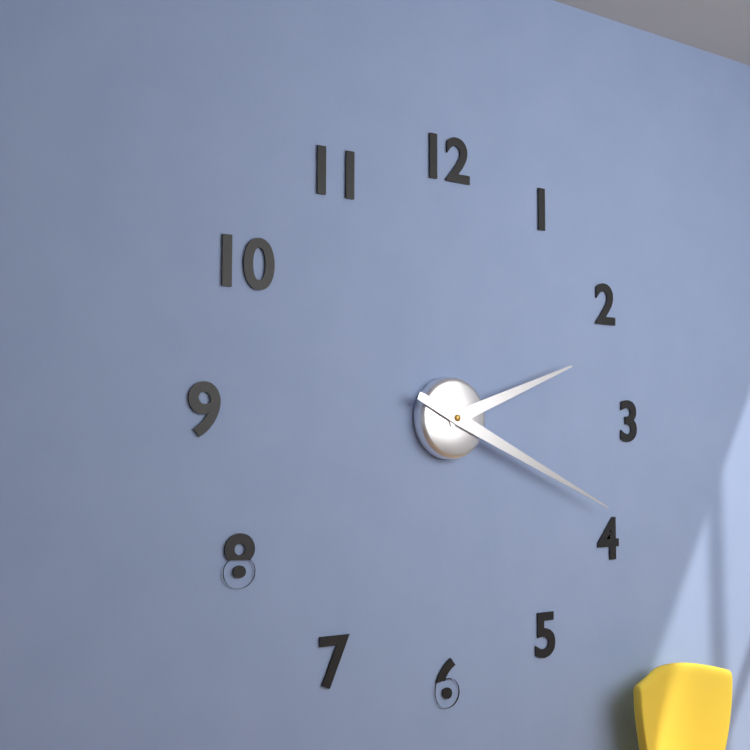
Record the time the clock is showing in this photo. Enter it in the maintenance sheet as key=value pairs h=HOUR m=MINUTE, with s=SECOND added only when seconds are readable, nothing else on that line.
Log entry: h=2 m=19
